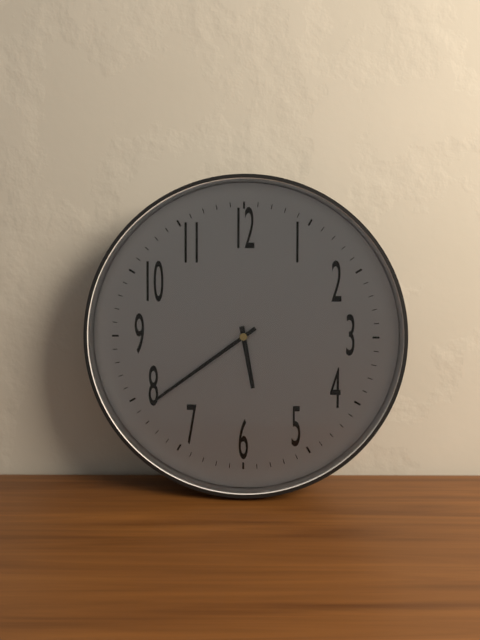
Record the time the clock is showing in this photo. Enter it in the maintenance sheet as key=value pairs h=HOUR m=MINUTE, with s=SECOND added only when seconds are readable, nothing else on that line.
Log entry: h=5 m=39
